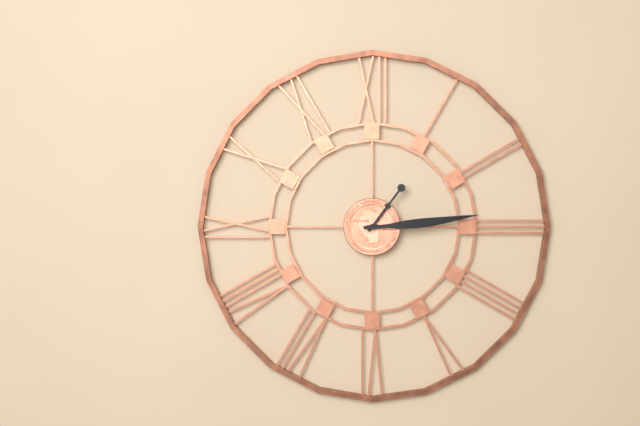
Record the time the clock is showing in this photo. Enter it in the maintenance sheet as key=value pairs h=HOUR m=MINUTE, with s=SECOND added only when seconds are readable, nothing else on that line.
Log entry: h=1 m=14
